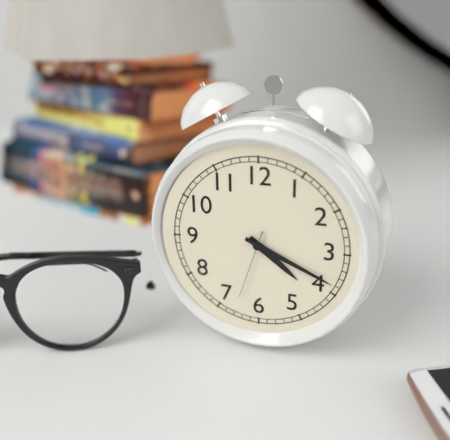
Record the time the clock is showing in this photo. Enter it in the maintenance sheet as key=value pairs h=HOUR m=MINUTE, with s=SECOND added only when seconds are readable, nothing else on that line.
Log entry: h=4 m=19 s=33
